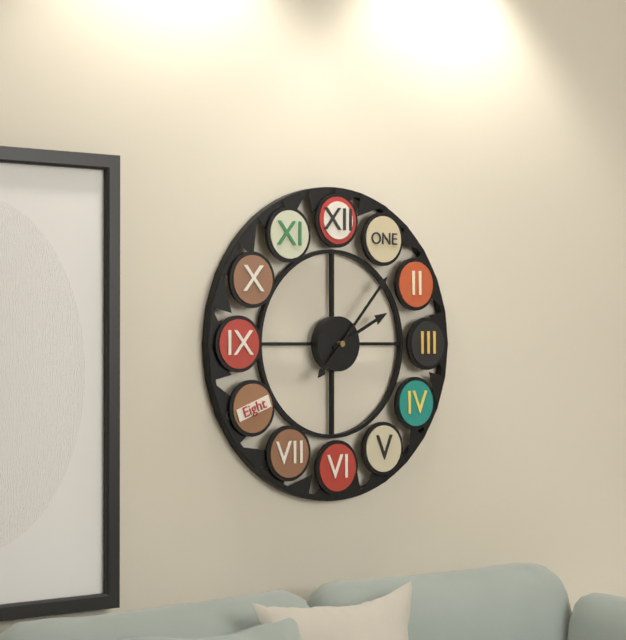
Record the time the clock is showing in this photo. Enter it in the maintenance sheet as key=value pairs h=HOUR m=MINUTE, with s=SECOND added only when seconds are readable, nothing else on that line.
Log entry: h=2 m=7
